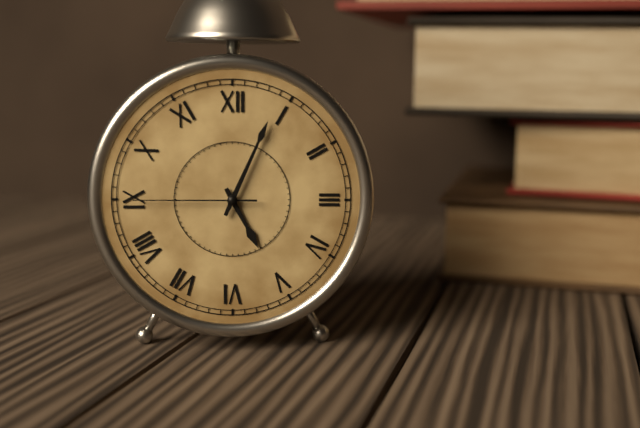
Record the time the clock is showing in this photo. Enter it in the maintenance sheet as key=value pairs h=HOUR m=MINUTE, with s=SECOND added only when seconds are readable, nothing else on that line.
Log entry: h=5 m=4 s=45
